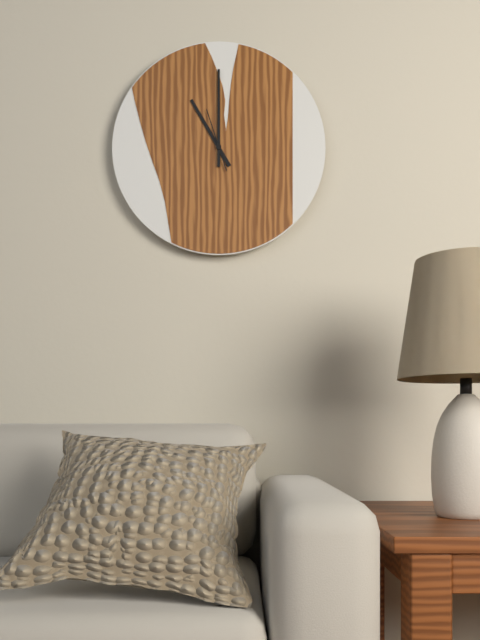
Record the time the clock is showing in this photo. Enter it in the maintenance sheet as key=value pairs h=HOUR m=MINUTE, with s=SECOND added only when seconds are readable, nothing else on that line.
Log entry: h=11 m=0 s=57
